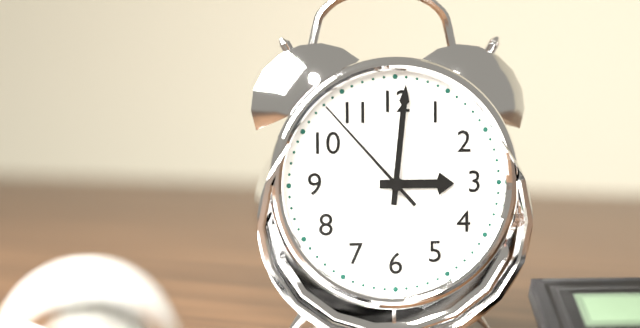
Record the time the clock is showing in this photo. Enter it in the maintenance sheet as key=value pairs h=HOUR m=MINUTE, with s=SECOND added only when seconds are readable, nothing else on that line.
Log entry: h=3 m=1 s=53
